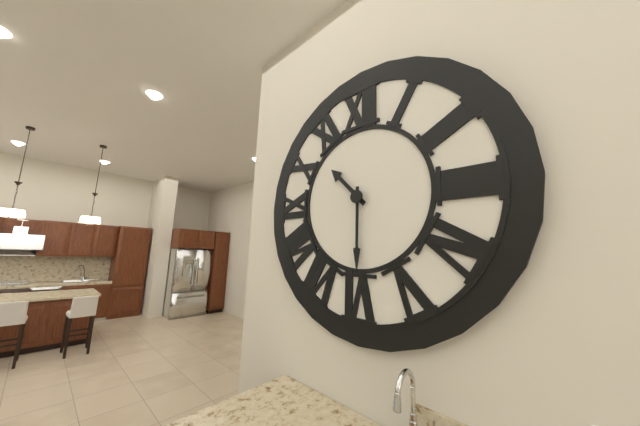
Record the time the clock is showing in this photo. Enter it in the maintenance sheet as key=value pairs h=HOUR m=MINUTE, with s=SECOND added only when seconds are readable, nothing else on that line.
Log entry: h=10 m=30
